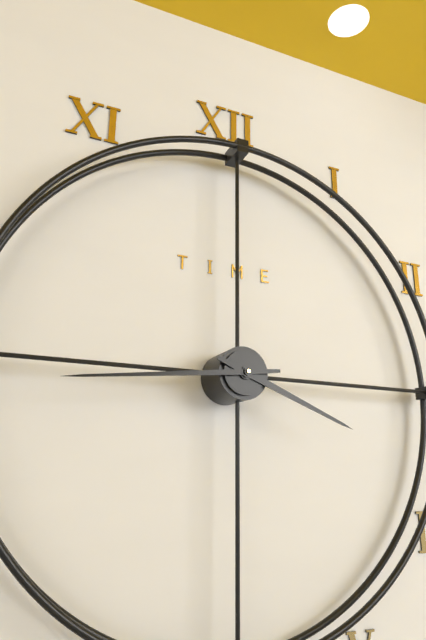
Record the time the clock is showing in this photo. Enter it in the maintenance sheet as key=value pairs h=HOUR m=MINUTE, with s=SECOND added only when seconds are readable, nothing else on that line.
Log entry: h=3 m=44
